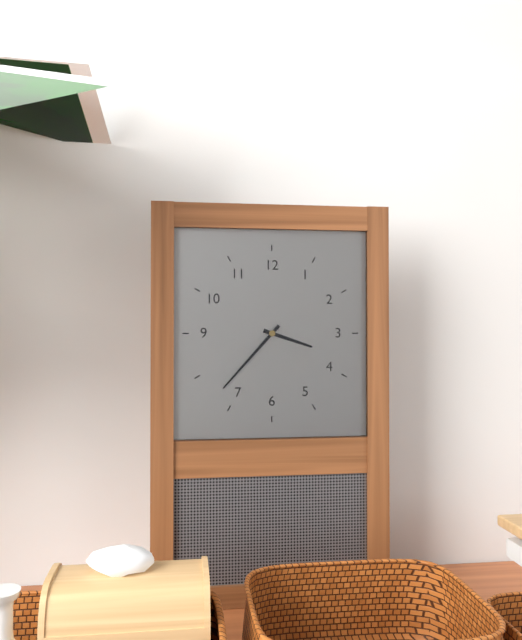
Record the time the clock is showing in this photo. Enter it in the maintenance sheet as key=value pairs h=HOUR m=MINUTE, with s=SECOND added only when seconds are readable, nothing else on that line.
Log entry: h=3 m=37
